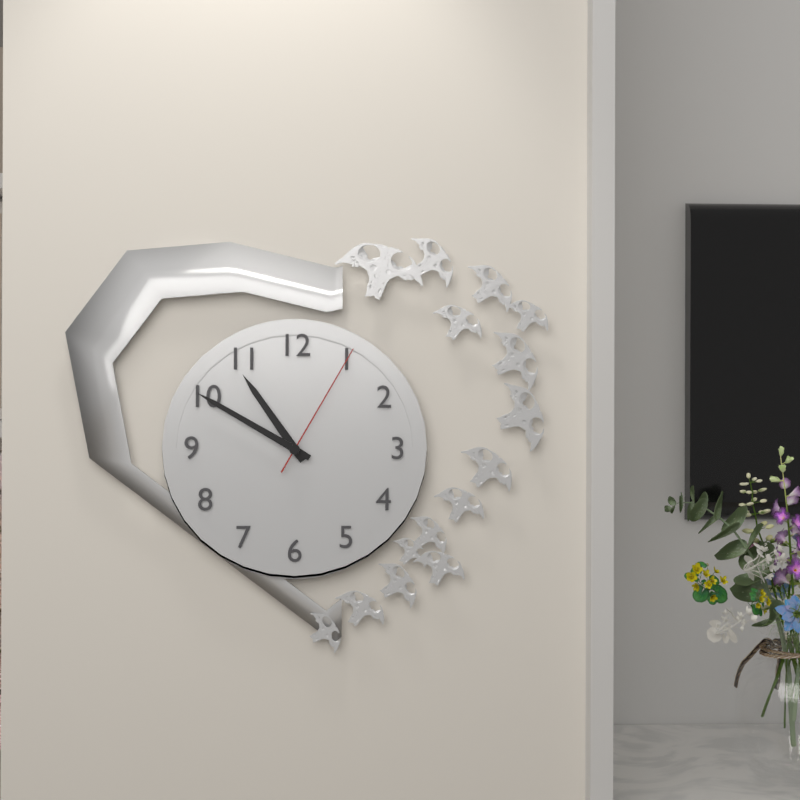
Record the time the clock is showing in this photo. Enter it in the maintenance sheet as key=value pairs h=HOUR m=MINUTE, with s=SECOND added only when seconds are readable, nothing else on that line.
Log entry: h=10 m=50 s=5
